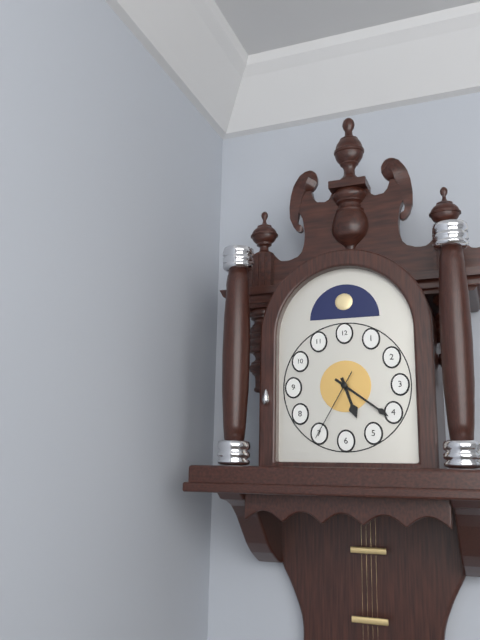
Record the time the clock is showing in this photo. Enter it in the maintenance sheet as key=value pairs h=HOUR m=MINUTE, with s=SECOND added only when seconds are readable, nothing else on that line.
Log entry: h=5 m=21 s=35
